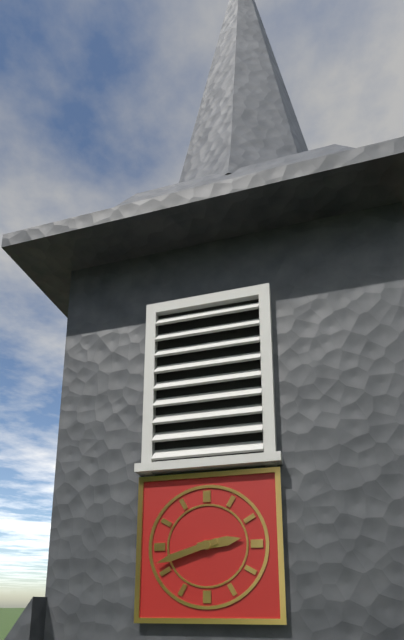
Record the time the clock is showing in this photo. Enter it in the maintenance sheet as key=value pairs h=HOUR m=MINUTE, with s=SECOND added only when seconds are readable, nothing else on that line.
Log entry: h=2 m=42
